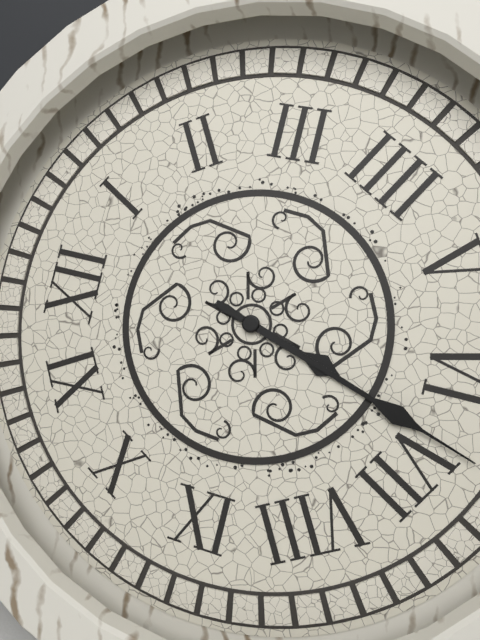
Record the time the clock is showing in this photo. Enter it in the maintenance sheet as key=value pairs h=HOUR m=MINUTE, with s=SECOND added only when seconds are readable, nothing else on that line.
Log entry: h=6 m=33
